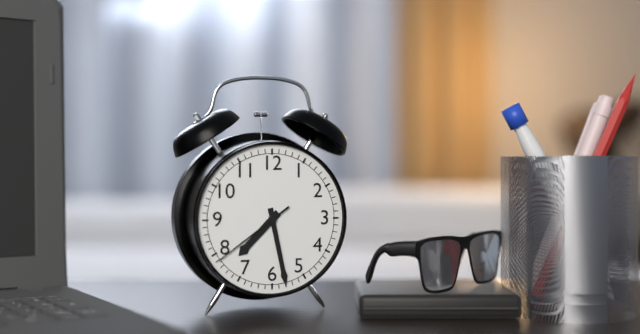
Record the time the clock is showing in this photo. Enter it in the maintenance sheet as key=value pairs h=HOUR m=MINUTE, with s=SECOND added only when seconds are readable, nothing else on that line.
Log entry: h=7 m=28 s=39
